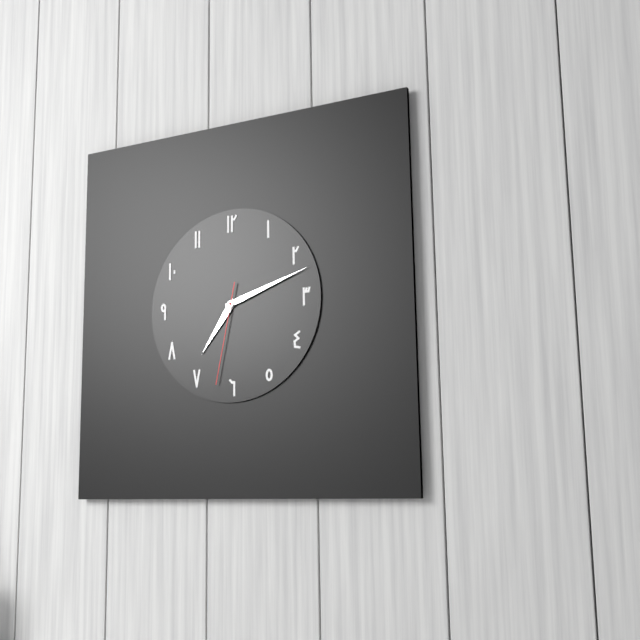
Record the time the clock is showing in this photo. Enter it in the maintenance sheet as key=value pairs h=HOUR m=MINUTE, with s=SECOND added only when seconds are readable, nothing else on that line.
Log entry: h=7 m=12 s=32
